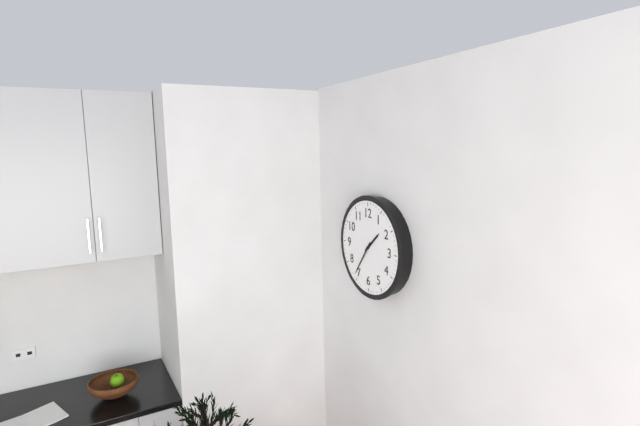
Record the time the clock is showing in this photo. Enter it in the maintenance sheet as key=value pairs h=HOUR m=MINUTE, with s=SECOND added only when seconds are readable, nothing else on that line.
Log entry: h=1 m=36
